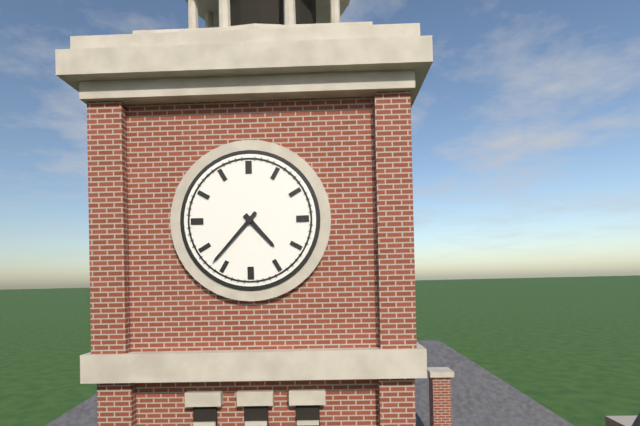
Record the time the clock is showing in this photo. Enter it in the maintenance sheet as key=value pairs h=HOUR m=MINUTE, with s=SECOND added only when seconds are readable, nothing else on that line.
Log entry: h=4 m=37
